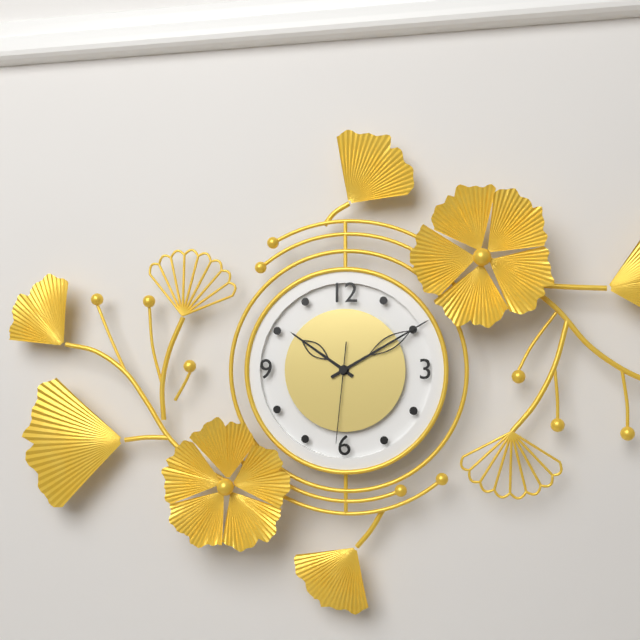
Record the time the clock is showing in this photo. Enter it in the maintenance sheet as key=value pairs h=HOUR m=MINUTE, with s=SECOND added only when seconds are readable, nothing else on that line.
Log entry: h=10 m=10 s=31
